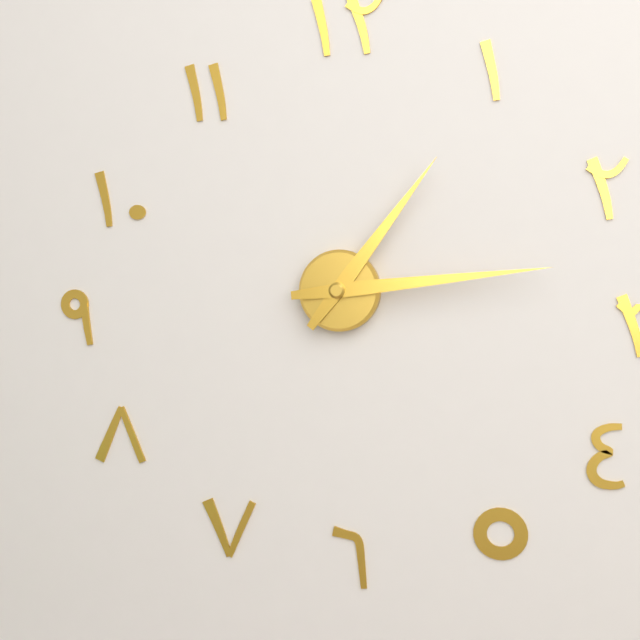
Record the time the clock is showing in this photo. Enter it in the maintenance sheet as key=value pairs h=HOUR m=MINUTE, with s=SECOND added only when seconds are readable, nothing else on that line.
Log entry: h=1 m=14
